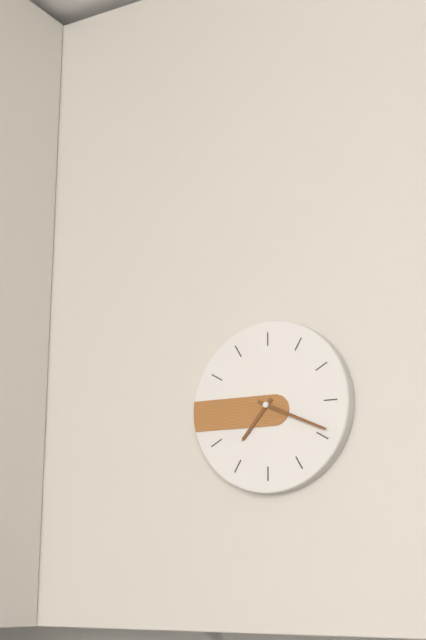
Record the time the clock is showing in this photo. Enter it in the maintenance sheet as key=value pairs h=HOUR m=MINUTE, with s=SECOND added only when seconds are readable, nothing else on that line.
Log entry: h=7 m=19
